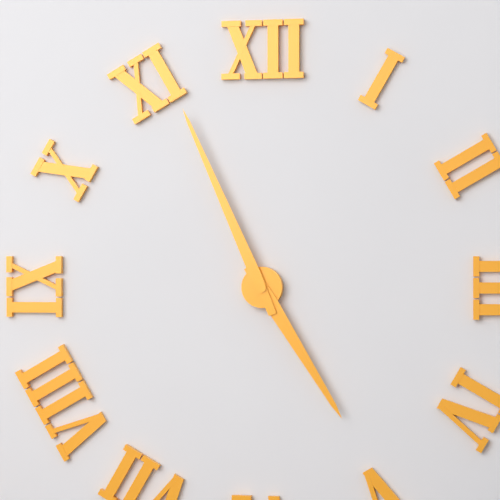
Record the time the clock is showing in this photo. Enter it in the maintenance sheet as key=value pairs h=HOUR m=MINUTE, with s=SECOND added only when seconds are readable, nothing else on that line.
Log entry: h=4 m=56
